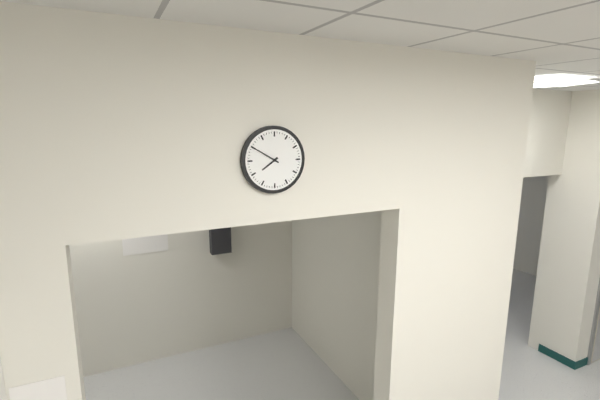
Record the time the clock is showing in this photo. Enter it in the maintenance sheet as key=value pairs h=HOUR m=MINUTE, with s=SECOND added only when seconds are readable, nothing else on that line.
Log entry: h=7 m=50
